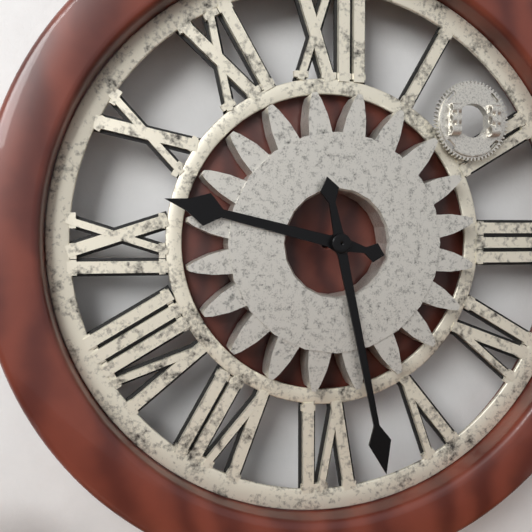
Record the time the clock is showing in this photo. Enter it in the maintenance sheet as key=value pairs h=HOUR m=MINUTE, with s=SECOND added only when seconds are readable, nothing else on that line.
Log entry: h=9 m=28
